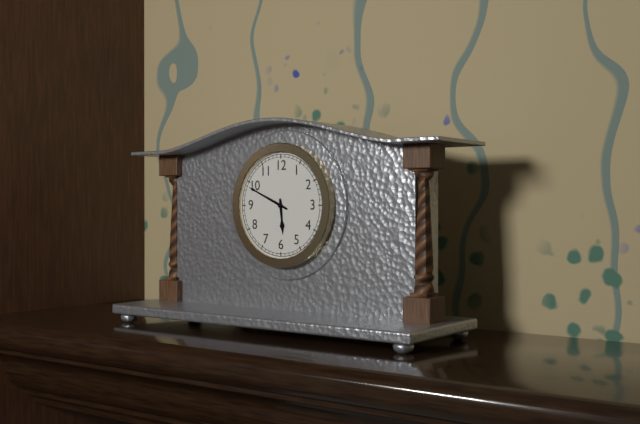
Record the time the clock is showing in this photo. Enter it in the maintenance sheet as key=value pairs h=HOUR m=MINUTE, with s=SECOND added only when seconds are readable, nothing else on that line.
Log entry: h=5 m=49
